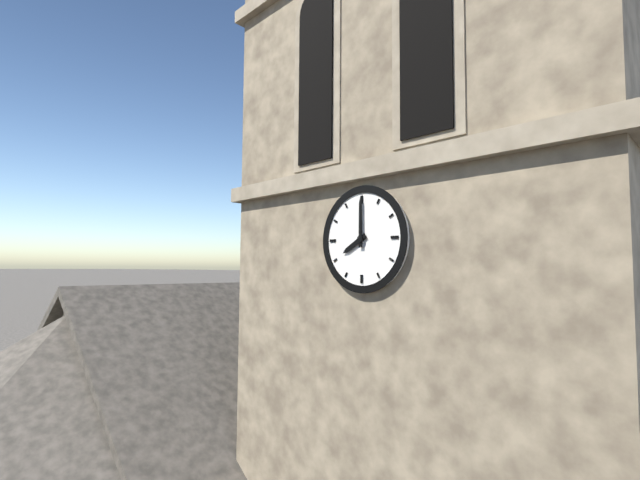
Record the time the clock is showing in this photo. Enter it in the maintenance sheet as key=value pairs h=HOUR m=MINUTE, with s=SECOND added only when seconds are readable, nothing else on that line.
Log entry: h=8 m=0
